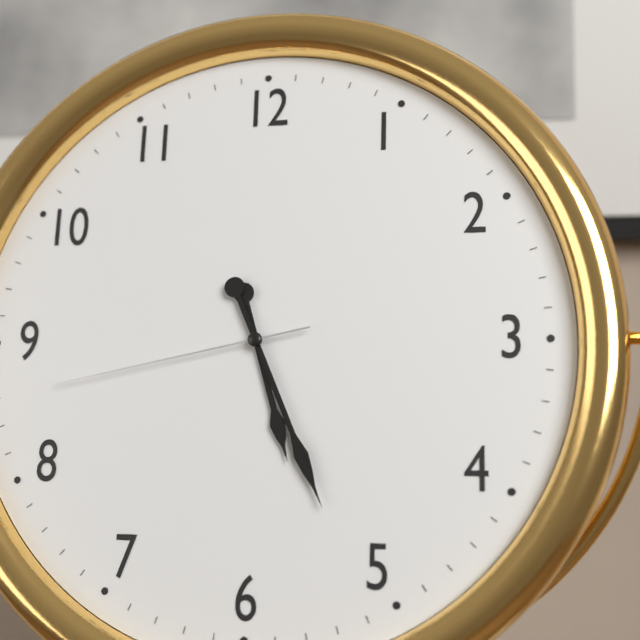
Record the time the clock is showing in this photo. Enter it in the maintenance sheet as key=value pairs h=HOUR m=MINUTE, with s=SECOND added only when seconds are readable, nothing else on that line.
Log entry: h=5 m=26 s=43
